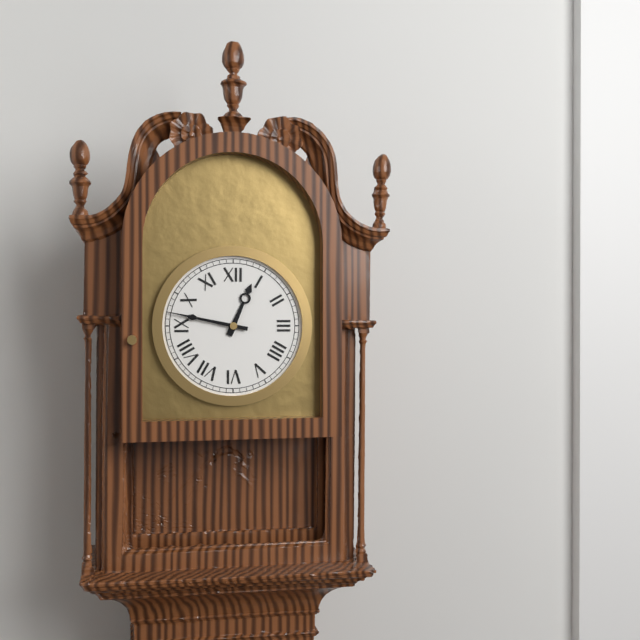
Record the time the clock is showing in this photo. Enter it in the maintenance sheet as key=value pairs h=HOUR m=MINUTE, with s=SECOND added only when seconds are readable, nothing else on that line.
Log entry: h=12 m=47
